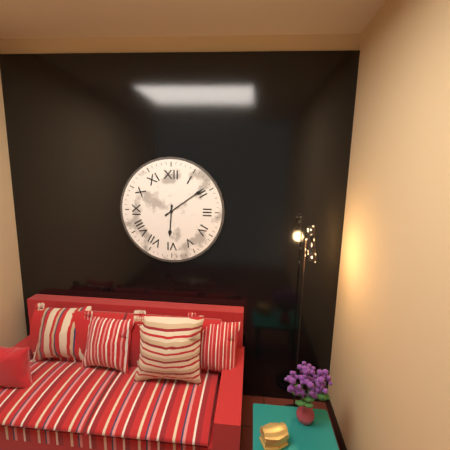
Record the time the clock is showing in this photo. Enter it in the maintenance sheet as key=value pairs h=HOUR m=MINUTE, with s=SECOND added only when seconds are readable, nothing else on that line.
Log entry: h=6 m=9
